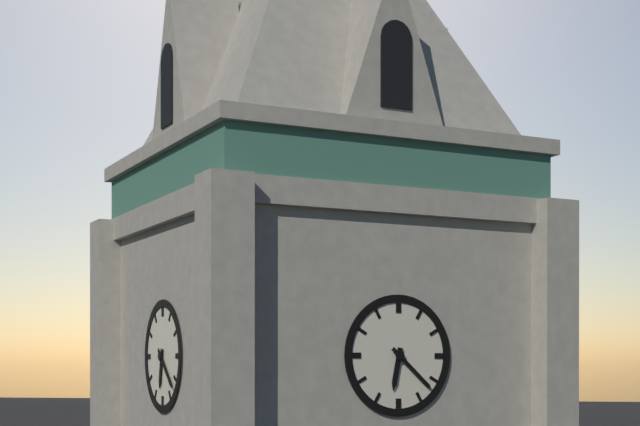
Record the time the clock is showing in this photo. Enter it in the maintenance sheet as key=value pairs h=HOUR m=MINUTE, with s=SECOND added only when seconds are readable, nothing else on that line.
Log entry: h=6 m=22
